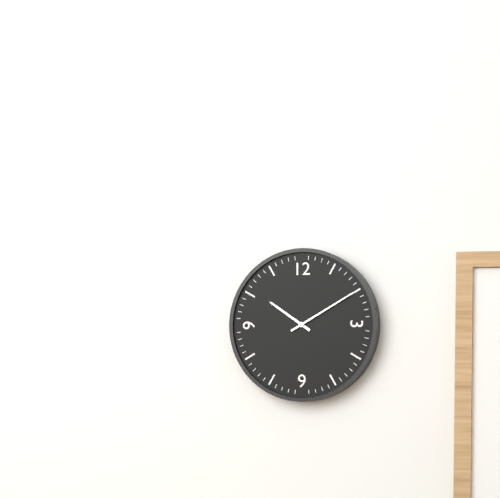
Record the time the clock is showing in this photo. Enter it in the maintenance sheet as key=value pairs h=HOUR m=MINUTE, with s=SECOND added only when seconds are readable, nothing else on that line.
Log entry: h=10 m=10
